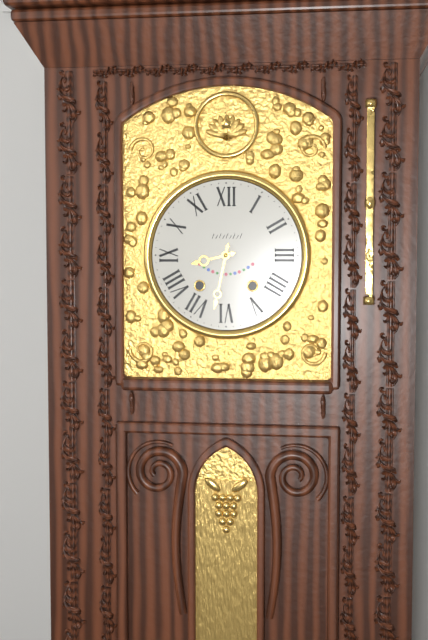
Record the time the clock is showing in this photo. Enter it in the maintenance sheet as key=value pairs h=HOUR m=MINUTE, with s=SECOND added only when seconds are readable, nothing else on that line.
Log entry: h=8 m=32
